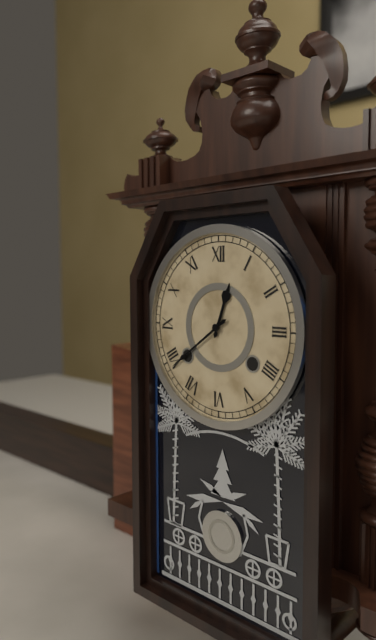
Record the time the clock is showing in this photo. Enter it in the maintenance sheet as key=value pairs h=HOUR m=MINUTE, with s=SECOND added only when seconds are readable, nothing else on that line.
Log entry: h=12 m=39
